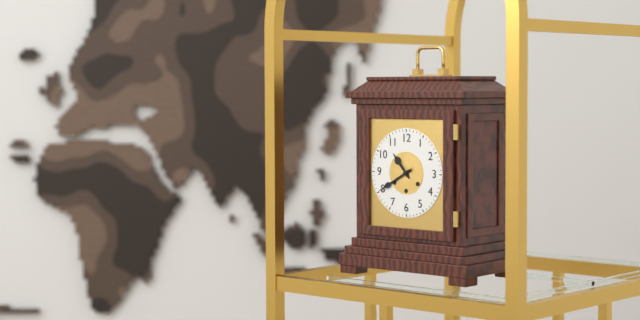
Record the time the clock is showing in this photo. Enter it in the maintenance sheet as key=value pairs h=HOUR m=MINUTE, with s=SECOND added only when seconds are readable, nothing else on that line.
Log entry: h=10 m=40
